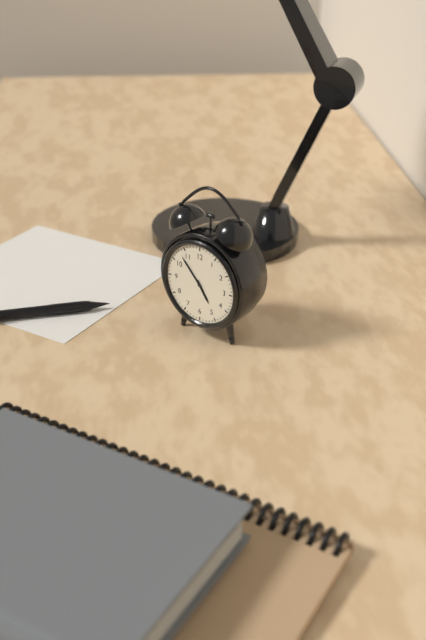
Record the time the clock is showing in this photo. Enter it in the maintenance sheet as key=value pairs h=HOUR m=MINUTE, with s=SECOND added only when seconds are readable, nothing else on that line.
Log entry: h=4 m=53
